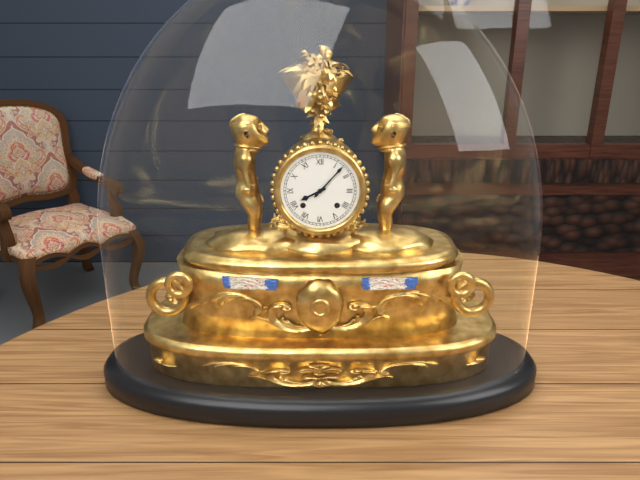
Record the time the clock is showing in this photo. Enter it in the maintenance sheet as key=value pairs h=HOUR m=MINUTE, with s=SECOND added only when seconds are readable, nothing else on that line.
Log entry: h=8 m=7
